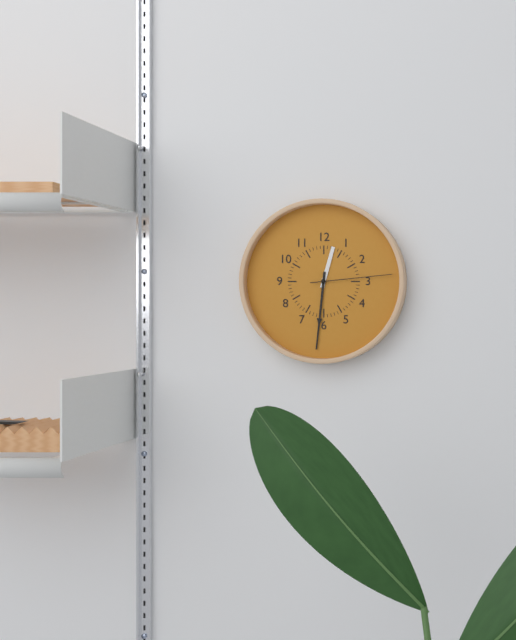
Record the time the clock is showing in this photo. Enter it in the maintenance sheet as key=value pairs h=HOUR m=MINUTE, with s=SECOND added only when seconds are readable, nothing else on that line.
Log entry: h=12 m=31 s=14
